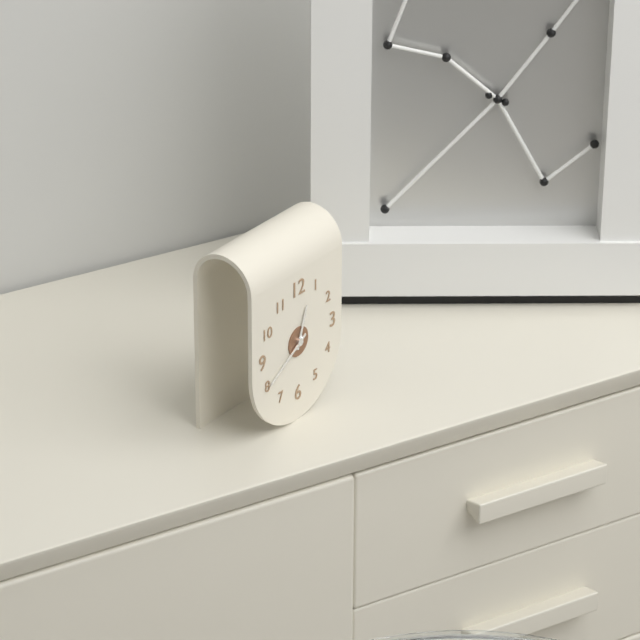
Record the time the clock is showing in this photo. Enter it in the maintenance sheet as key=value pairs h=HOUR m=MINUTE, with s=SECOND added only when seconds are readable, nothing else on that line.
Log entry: h=12 m=40
